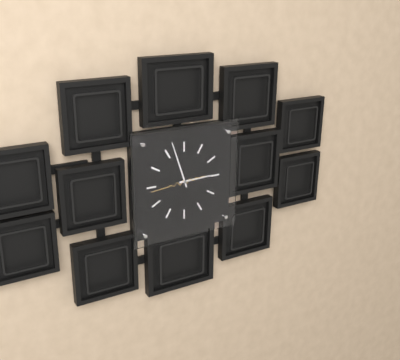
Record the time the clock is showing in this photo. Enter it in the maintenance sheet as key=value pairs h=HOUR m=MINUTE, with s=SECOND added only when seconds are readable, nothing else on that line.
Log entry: h=2 m=57
